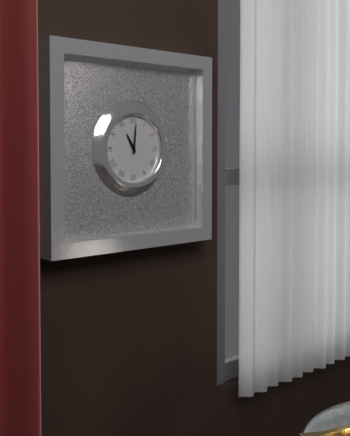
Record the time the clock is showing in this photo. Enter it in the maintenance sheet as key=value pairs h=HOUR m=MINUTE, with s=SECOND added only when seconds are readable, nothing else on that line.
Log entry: h=11 m=1
